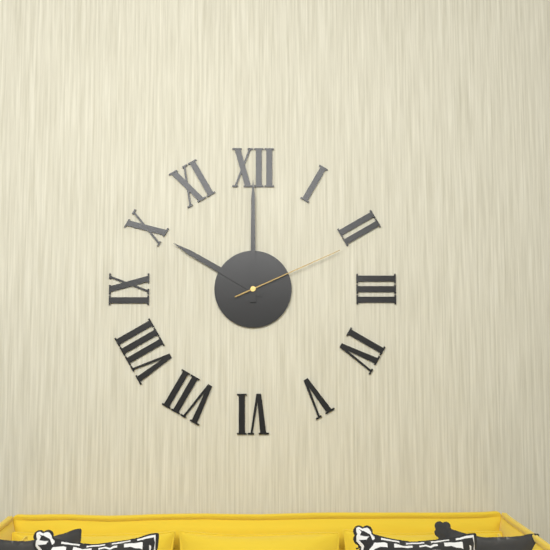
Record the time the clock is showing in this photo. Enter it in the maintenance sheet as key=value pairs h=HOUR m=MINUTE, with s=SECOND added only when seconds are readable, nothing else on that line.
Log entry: h=10 m=0 s=11
